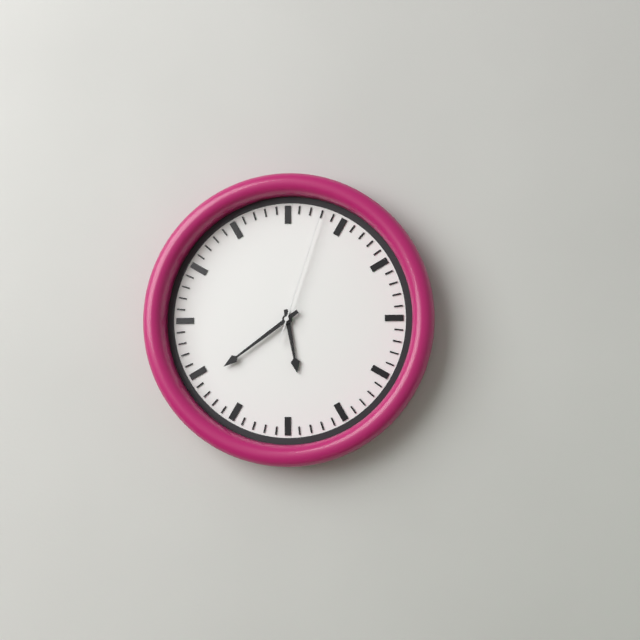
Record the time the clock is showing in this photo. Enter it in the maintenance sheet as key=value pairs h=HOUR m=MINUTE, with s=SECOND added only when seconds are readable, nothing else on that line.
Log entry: h=5 m=39 s=3
